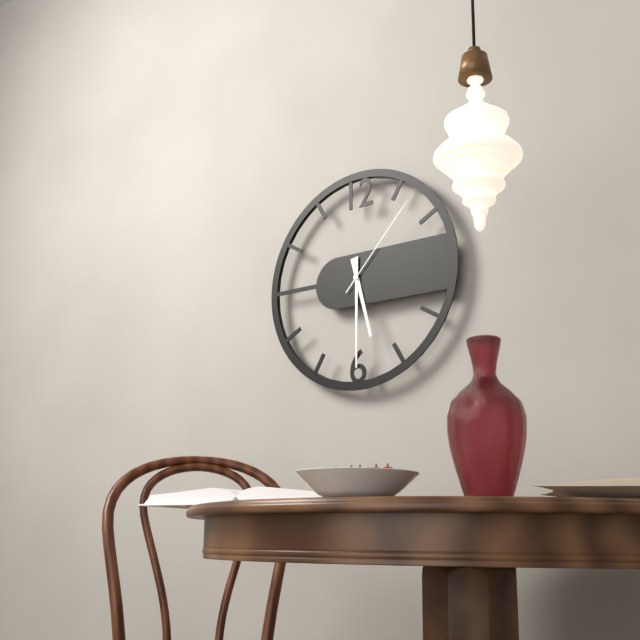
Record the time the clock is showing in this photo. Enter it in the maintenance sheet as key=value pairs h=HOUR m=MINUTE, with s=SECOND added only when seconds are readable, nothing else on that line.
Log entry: h=5 m=30 s=7
